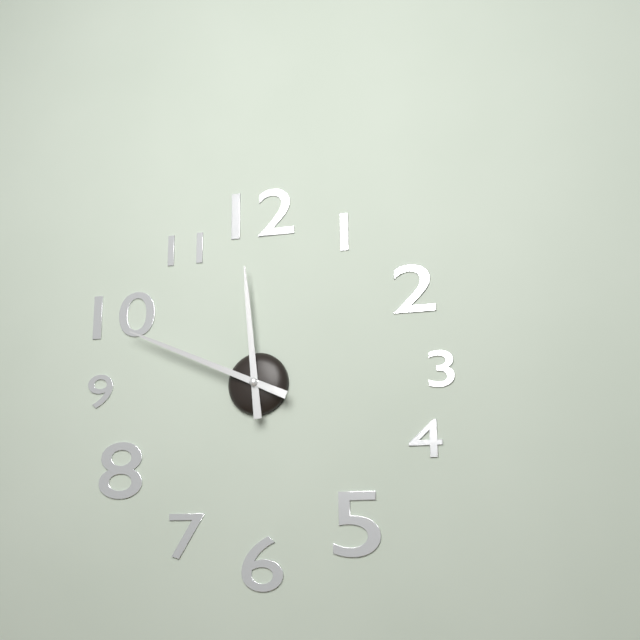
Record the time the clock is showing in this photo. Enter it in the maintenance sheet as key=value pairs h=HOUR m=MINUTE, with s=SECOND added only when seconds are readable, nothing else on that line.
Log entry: h=11 m=49
